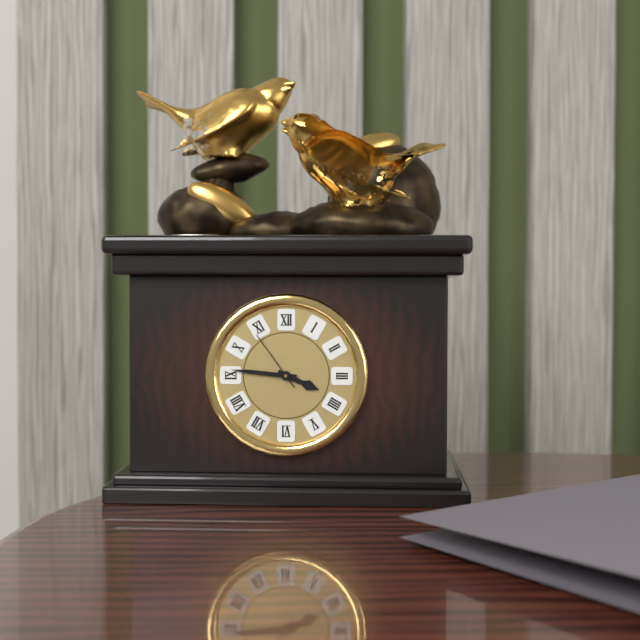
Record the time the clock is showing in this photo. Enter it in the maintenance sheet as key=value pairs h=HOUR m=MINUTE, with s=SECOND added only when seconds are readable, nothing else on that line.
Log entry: h=3 m=46 s=54
